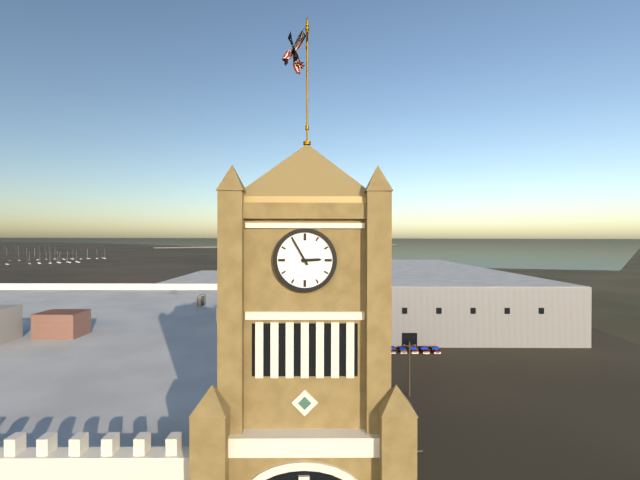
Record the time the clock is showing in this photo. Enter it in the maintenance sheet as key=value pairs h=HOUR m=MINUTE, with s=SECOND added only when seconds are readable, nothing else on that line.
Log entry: h=2 m=55
